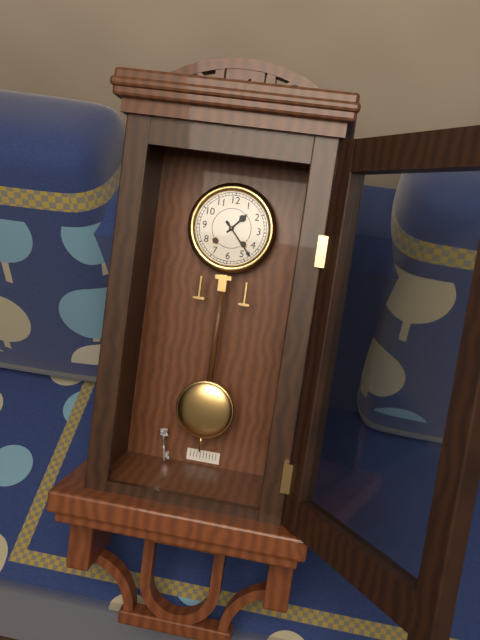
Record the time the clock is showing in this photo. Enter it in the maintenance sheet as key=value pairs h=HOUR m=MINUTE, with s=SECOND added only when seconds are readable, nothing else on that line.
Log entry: h=1 m=23
